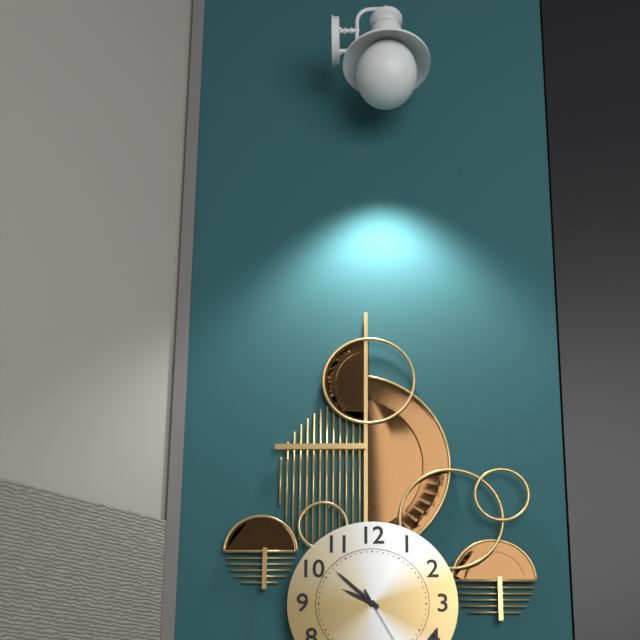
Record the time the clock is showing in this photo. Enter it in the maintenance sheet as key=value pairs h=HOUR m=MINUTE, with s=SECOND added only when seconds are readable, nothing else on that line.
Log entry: h=9 m=52
